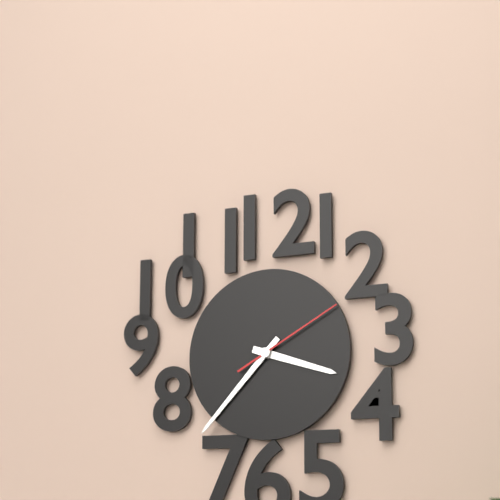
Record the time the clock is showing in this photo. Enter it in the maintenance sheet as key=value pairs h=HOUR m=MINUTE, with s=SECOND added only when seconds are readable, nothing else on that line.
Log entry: h=3 m=37 s=10
